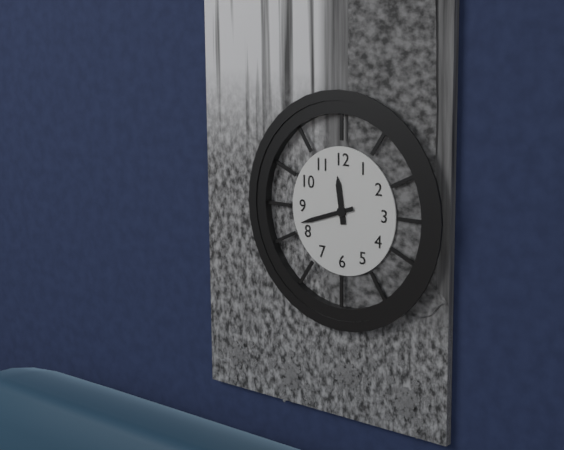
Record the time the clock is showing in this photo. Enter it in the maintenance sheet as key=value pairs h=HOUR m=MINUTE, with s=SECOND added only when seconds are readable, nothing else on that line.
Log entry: h=11 m=42
